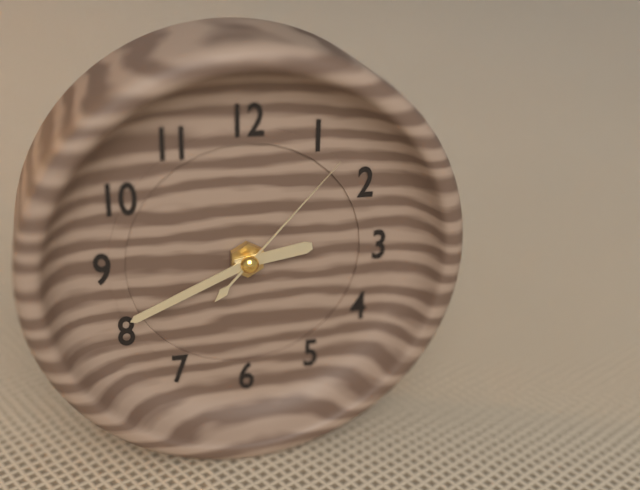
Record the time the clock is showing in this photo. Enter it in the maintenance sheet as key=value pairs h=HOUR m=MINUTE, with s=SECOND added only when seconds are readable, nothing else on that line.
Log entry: h=2 m=41 s=7
